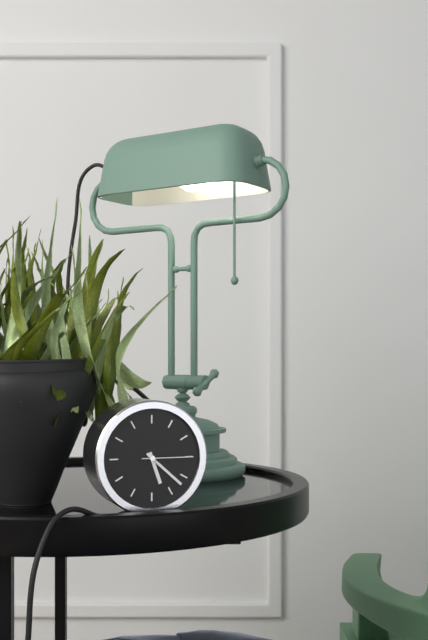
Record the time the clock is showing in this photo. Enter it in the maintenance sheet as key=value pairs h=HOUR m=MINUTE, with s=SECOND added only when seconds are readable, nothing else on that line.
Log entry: h=5 m=22 s=15
